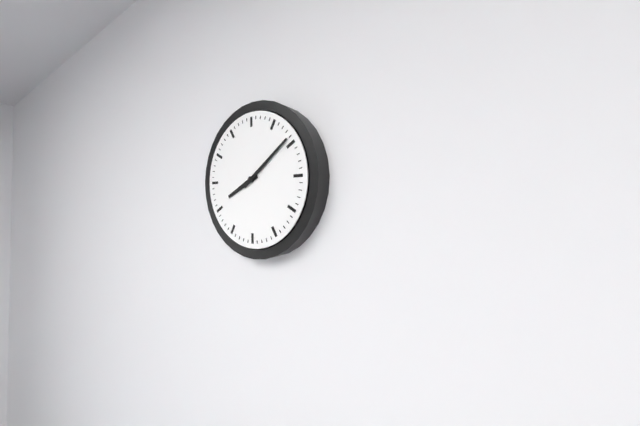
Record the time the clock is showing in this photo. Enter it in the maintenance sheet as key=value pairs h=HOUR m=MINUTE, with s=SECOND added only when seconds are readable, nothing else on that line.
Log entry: h=8 m=9
